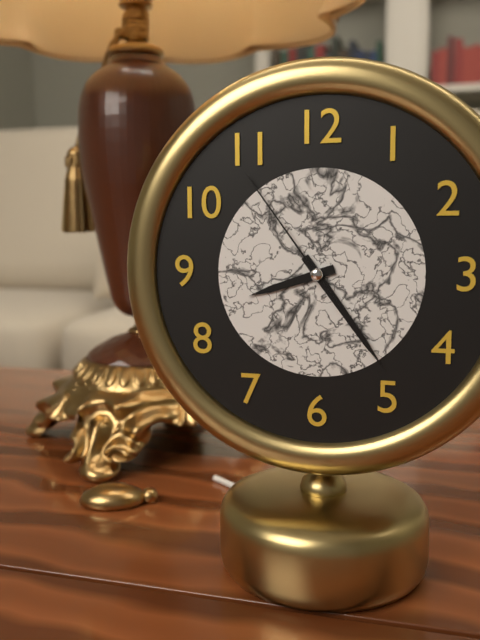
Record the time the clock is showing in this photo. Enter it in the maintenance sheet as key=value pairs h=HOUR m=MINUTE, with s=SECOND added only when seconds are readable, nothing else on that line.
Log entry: h=8 m=24 s=54
